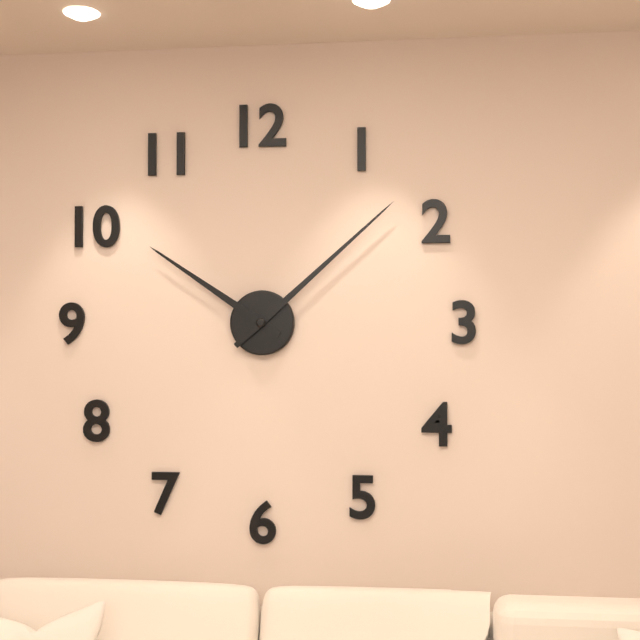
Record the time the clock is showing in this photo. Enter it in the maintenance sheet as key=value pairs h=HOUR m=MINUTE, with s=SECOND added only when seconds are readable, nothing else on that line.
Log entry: h=10 m=8
